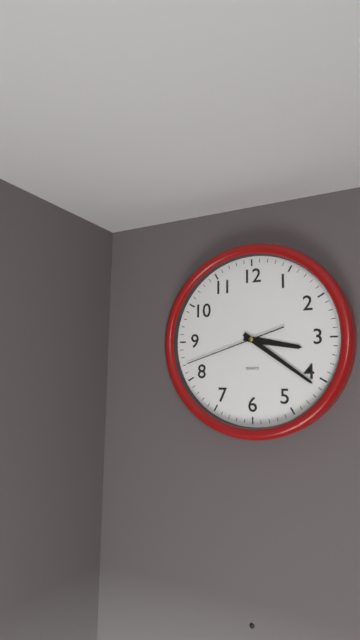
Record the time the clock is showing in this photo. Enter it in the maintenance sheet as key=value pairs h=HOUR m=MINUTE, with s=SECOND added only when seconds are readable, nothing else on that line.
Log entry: h=3 m=21 s=42
